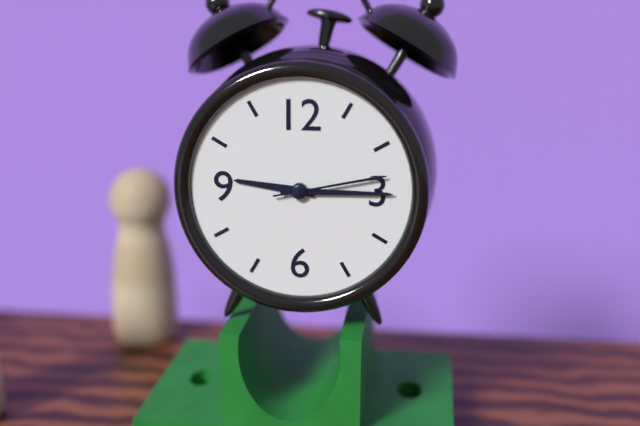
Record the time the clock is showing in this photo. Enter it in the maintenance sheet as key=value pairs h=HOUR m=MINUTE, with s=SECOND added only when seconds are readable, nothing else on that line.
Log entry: h=9 m=15 s=13
